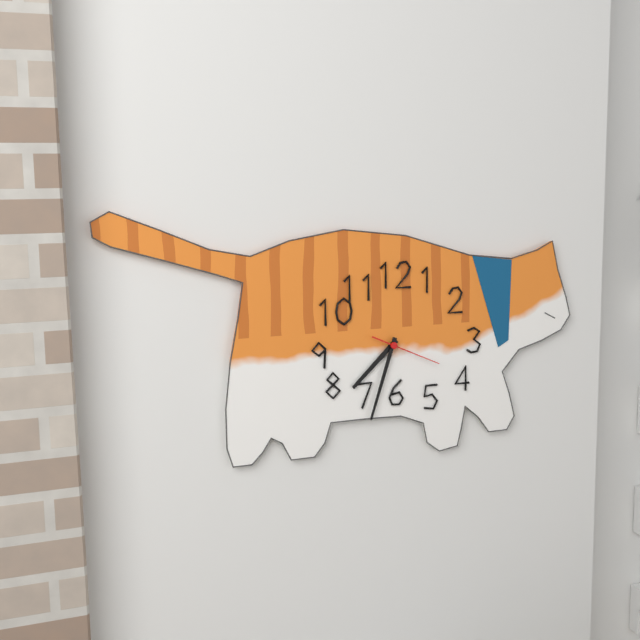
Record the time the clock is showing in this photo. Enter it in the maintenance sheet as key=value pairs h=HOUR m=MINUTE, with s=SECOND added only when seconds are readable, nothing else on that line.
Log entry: h=7 m=33 s=19
